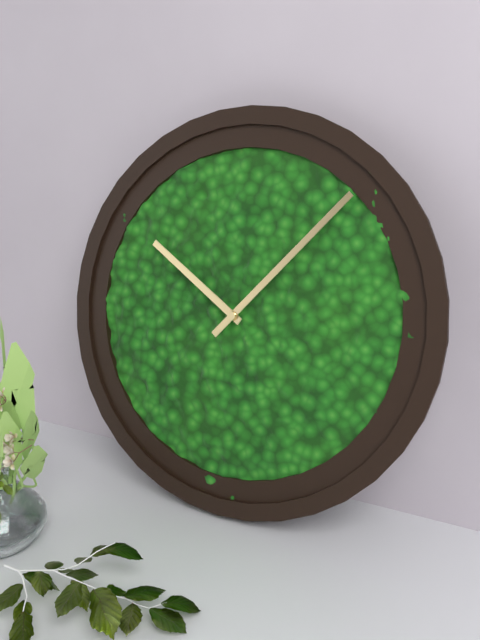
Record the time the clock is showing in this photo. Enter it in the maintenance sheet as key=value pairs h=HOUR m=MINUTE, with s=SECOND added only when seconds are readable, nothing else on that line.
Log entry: h=10 m=7
